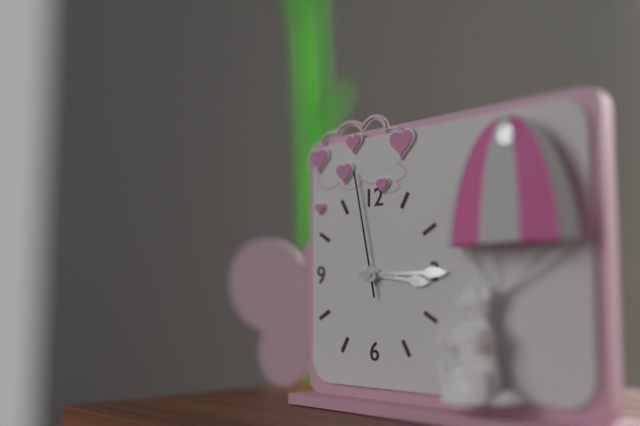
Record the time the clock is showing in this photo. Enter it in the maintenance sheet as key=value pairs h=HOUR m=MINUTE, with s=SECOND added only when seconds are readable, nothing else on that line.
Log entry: h=3 m=15 s=58
